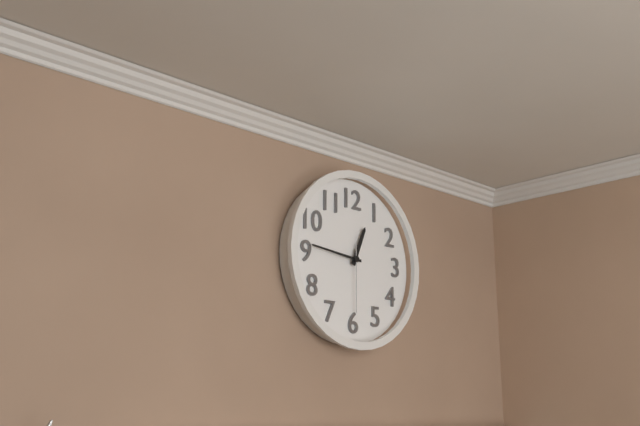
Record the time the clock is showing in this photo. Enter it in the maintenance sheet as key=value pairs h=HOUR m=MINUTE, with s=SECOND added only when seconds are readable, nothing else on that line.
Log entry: h=12 m=46 s=30
